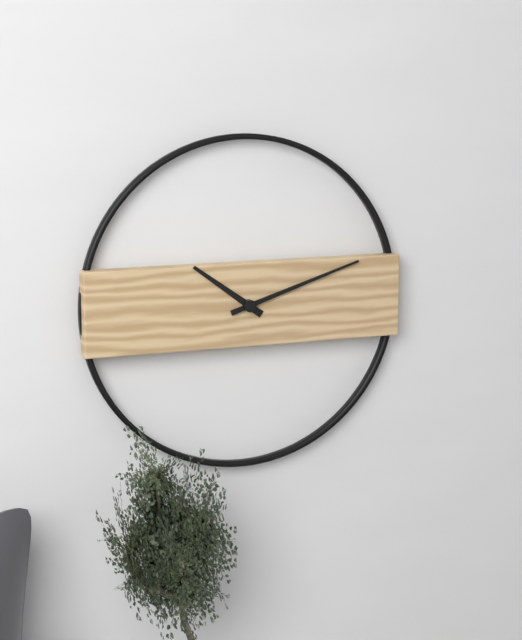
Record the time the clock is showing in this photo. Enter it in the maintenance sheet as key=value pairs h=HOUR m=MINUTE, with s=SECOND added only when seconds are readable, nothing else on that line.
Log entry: h=10 m=12
